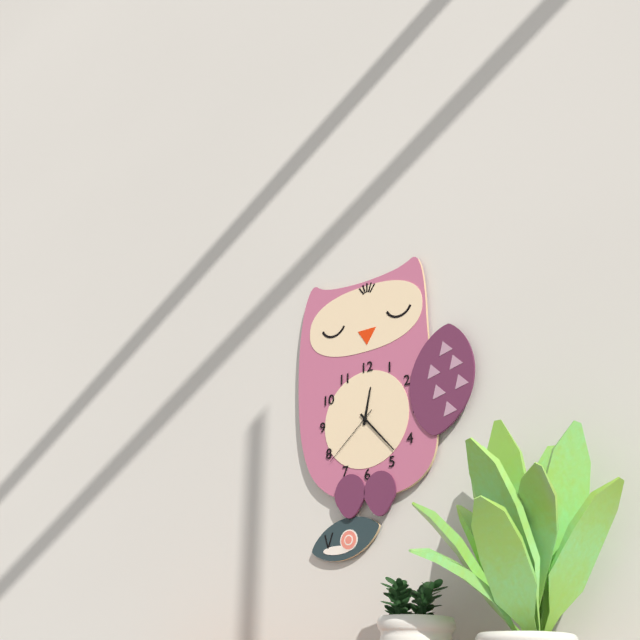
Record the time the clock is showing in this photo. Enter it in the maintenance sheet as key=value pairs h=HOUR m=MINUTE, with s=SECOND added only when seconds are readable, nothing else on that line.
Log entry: h=12 m=23 s=38
